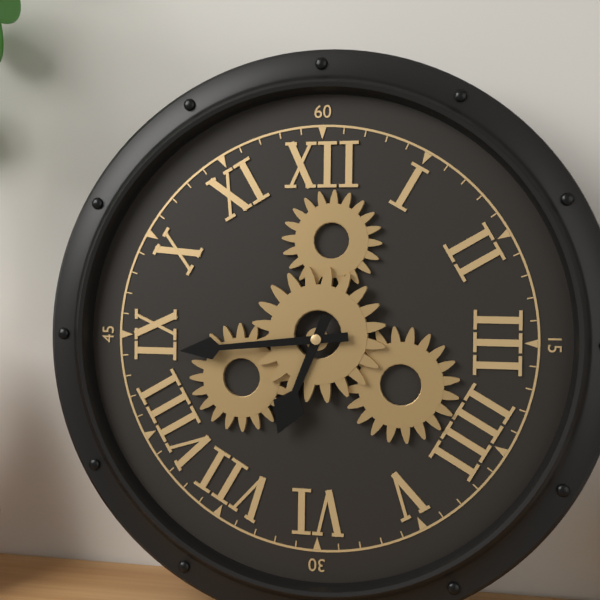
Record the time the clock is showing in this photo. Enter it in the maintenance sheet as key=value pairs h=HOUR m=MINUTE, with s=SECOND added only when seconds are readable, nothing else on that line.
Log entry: h=6 m=44
